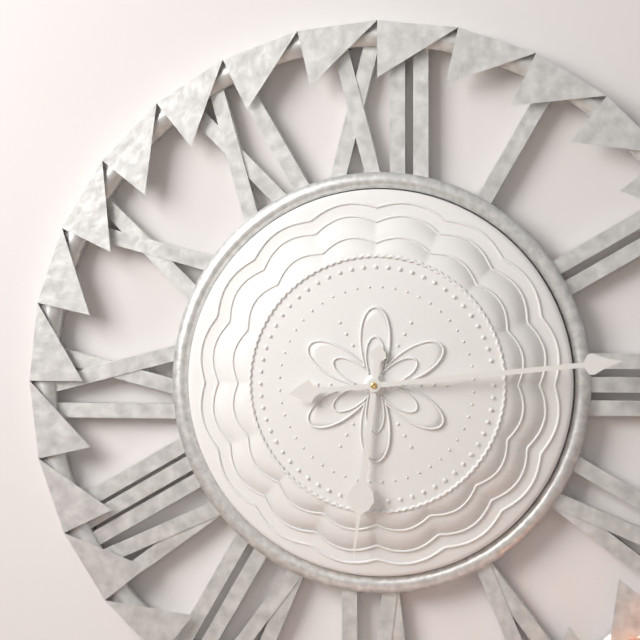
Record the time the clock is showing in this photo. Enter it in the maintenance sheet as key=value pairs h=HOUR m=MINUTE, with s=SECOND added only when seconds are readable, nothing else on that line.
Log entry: h=6 m=14
